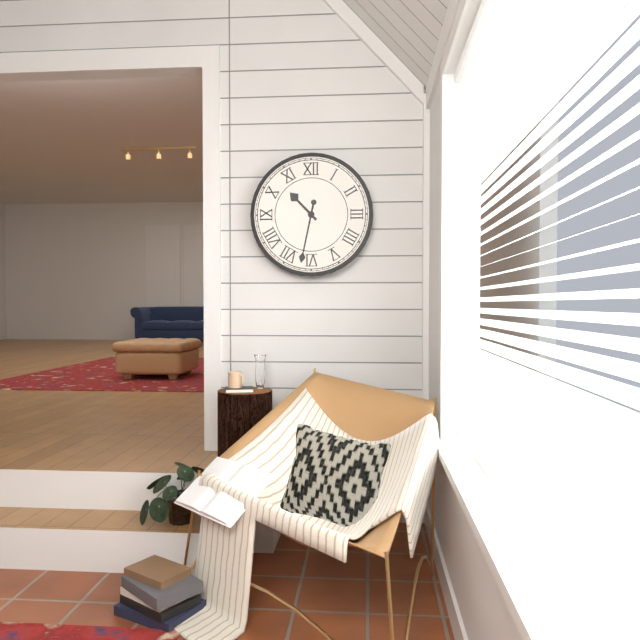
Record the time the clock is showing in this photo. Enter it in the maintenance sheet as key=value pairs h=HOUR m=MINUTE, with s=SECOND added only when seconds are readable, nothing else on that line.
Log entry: h=10 m=32
